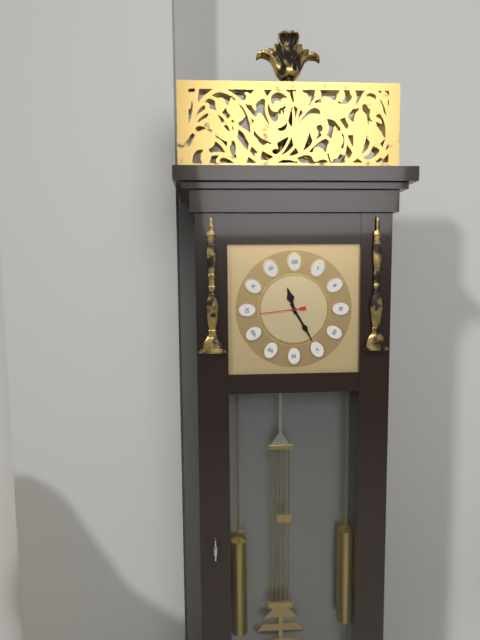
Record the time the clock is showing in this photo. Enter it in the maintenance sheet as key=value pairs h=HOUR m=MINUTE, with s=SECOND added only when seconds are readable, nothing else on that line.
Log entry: h=11 m=25
